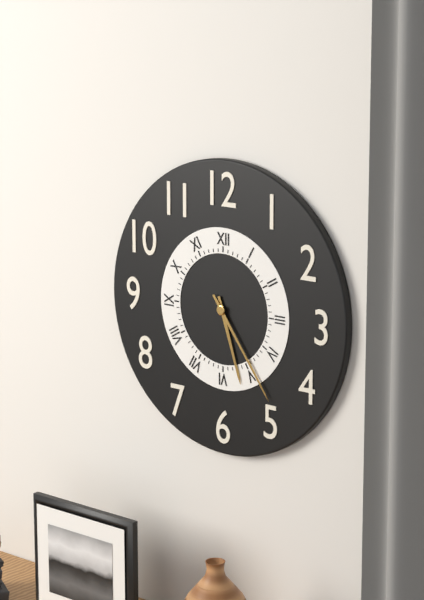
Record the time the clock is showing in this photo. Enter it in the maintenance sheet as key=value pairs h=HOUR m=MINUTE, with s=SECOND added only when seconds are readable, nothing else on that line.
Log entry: h=5 m=24
